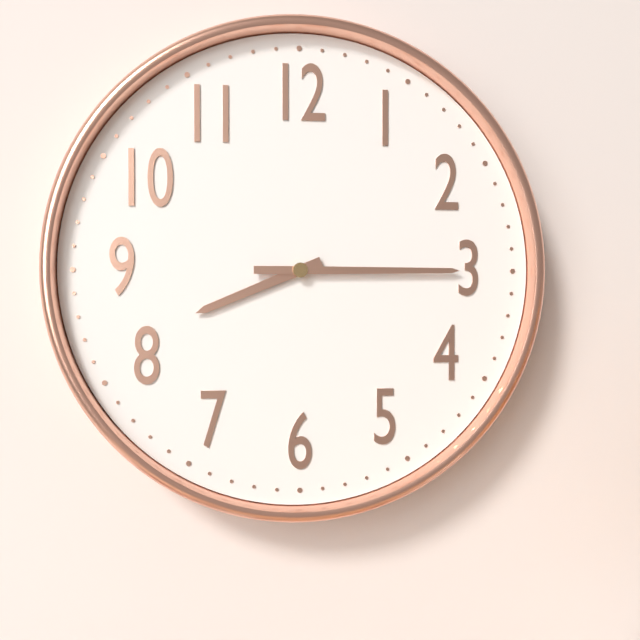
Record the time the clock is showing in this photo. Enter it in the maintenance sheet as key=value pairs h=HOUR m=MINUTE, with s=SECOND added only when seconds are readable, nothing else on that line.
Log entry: h=8 m=15
